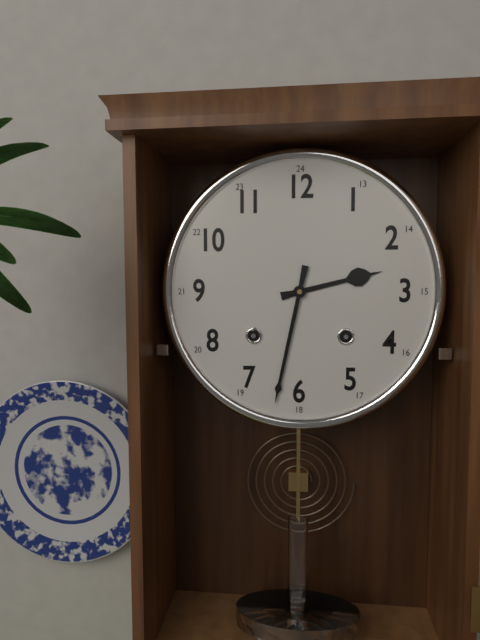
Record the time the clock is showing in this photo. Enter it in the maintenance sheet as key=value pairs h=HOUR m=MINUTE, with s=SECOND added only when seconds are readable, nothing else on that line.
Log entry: h=2 m=32
